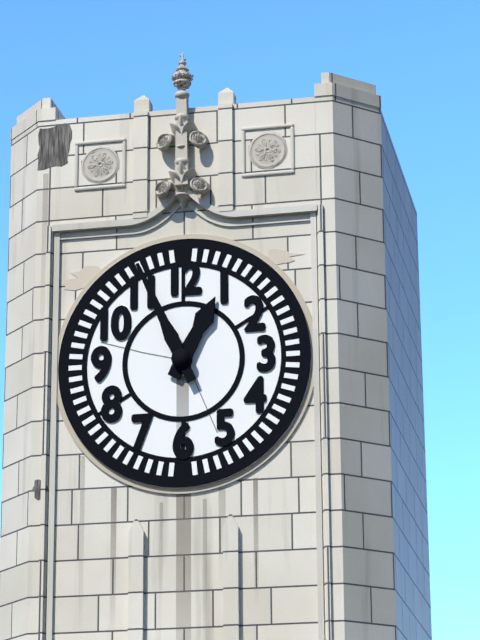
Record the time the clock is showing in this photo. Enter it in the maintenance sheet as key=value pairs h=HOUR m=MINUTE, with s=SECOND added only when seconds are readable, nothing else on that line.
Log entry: h=12 m=56
